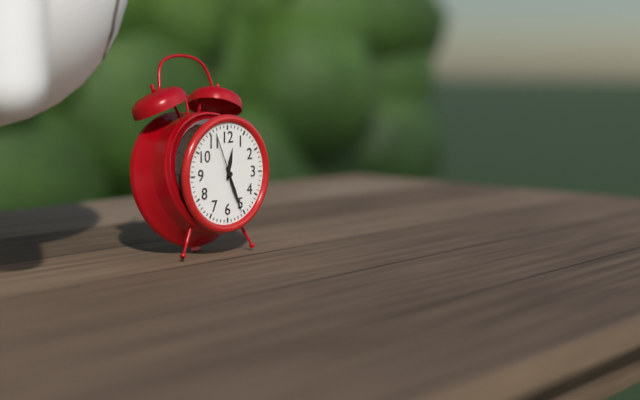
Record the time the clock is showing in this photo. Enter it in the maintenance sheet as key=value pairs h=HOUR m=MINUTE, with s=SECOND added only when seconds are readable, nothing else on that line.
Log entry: h=12 m=26 s=56
